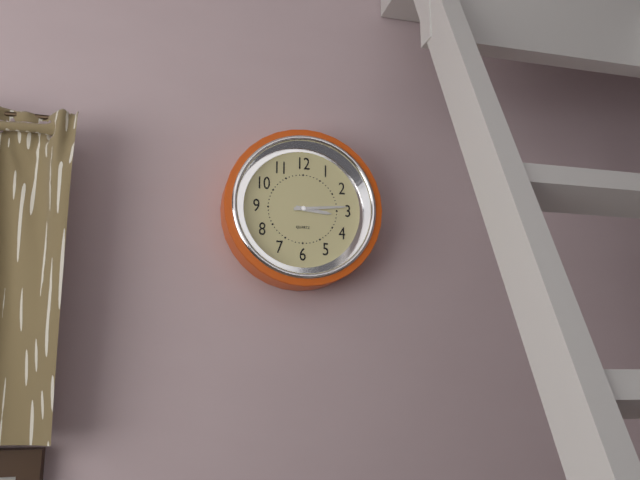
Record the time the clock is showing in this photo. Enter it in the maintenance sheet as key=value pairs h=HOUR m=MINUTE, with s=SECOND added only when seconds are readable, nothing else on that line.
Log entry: h=3 m=14
